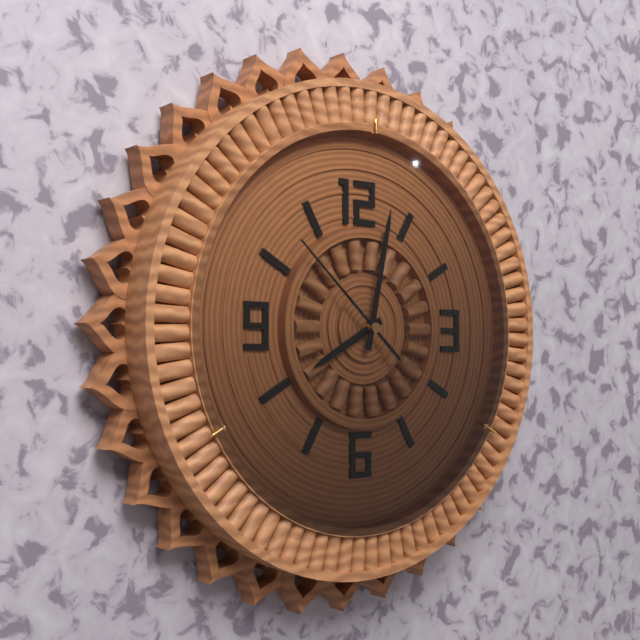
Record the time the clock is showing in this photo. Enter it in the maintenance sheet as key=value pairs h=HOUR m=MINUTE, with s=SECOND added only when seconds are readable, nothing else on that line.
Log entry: h=8 m=2 s=52
